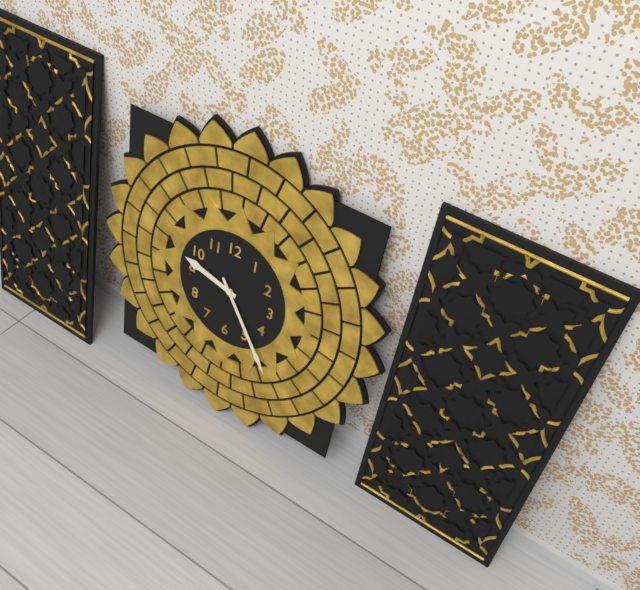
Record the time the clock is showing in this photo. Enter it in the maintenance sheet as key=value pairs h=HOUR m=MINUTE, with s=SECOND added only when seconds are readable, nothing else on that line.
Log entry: h=9 m=24
